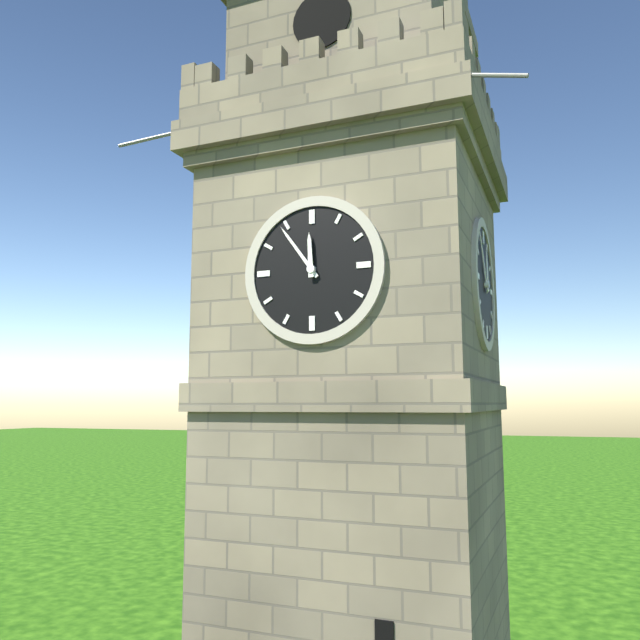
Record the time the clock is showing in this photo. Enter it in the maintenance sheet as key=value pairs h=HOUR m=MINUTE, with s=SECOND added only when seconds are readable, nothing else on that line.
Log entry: h=11 m=54
